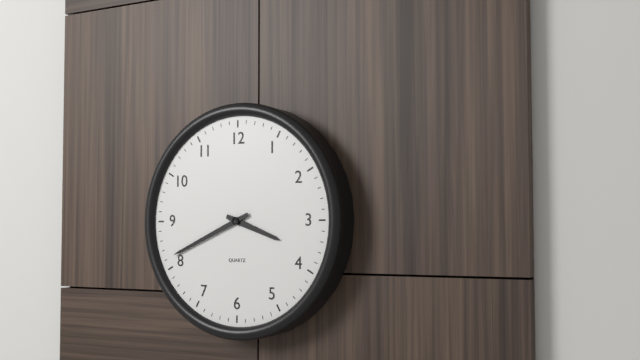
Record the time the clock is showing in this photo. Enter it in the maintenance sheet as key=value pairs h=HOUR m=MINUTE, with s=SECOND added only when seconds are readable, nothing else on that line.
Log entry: h=3 m=41
